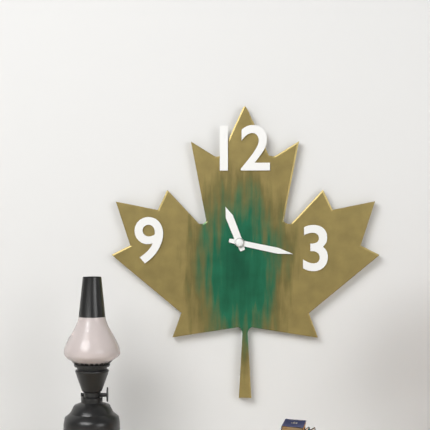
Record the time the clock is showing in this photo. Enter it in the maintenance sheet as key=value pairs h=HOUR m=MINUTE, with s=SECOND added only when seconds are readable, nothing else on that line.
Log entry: h=11 m=17
